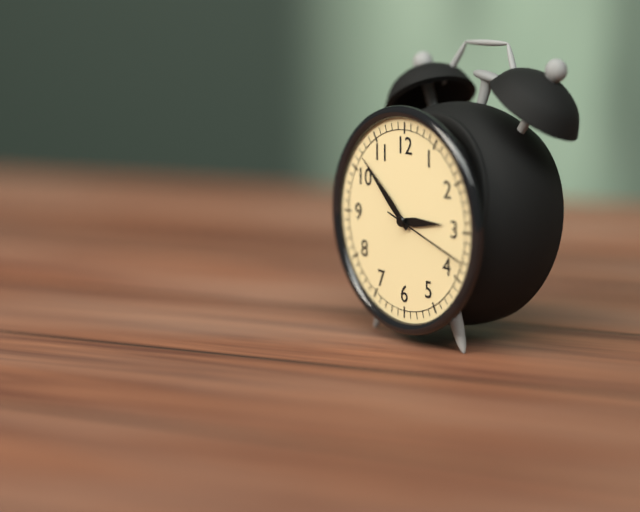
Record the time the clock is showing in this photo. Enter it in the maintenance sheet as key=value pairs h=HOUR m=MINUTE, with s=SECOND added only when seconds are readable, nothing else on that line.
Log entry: h=2 m=52 s=18
